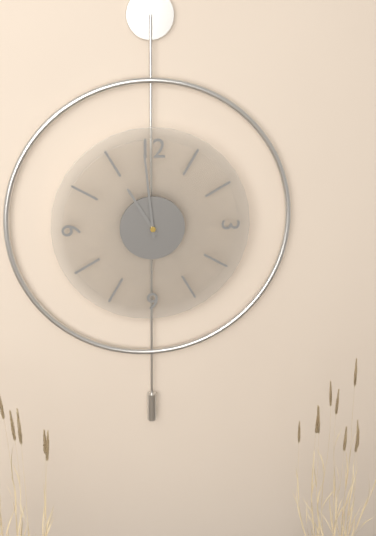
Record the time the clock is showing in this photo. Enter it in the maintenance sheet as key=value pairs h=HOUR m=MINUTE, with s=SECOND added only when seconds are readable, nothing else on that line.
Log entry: h=10 m=59
